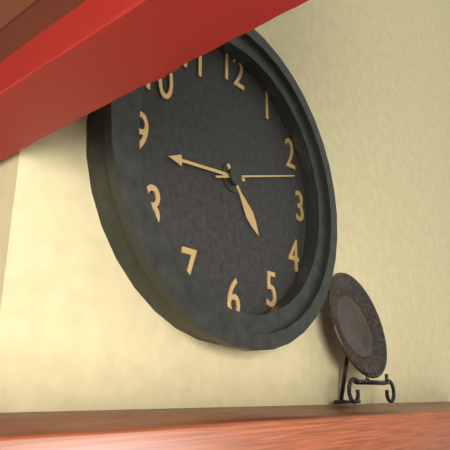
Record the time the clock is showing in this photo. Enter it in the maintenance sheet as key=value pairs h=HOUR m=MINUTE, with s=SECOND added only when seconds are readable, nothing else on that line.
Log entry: h=4 m=44 s=12
